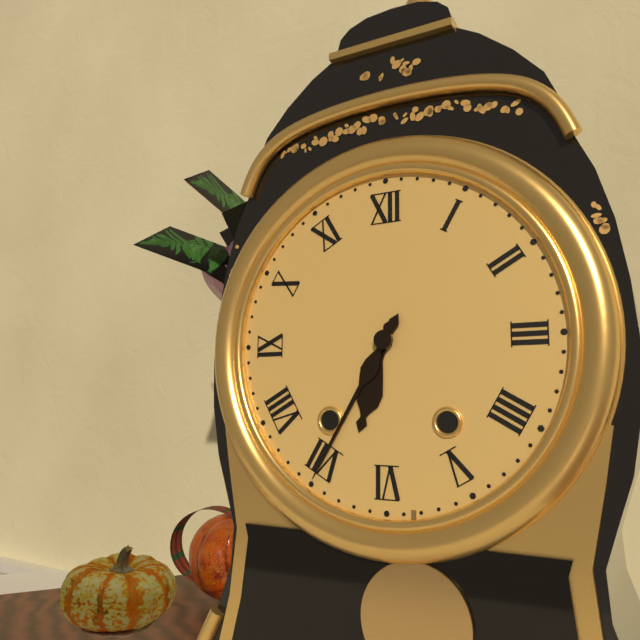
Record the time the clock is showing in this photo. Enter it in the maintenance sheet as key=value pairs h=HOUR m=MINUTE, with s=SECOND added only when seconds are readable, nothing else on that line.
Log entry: h=6 m=35
